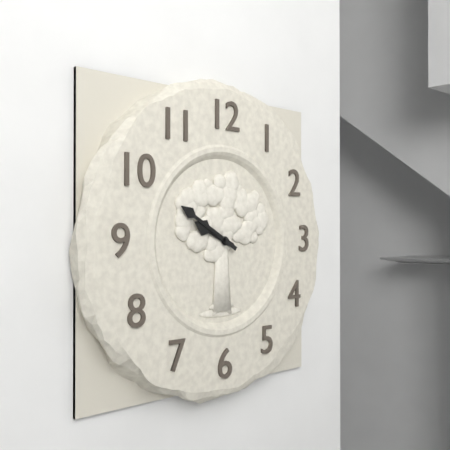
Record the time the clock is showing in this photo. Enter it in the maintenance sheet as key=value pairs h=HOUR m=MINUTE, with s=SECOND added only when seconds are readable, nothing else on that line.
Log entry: h=9 m=50
